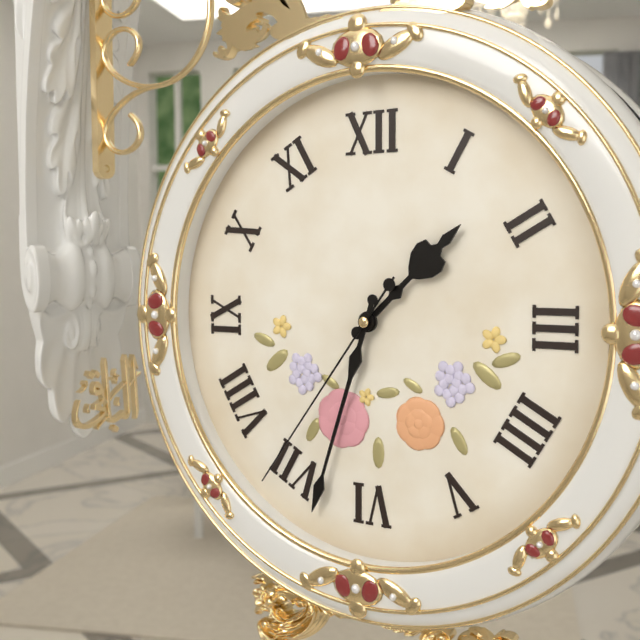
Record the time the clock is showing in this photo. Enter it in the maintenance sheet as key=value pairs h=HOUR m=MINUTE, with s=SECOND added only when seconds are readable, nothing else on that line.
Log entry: h=1 m=33 s=36
